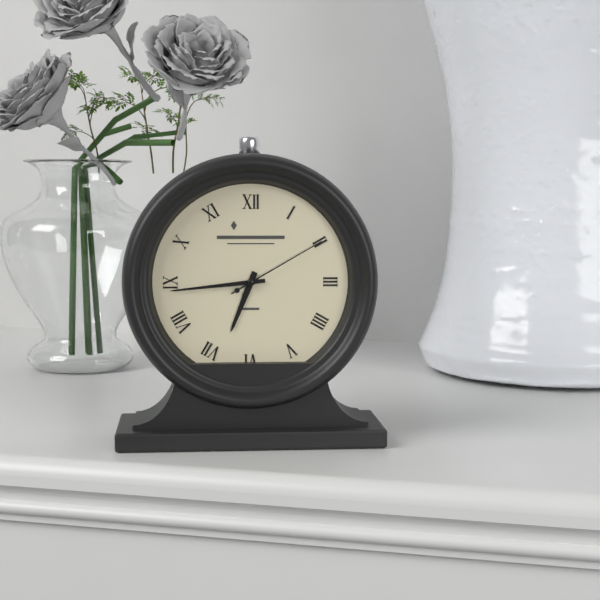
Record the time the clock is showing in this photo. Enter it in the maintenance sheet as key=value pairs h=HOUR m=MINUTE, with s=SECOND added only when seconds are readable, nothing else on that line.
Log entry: h=6 m=44 s=10
